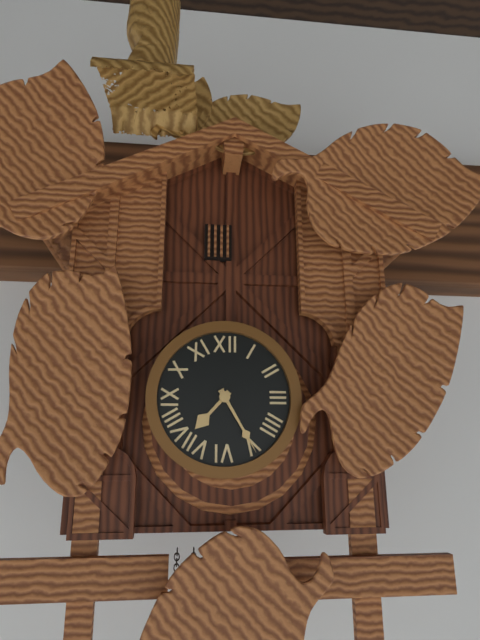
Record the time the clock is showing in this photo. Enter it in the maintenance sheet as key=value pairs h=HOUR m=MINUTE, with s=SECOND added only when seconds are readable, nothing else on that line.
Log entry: h=7 m=25
